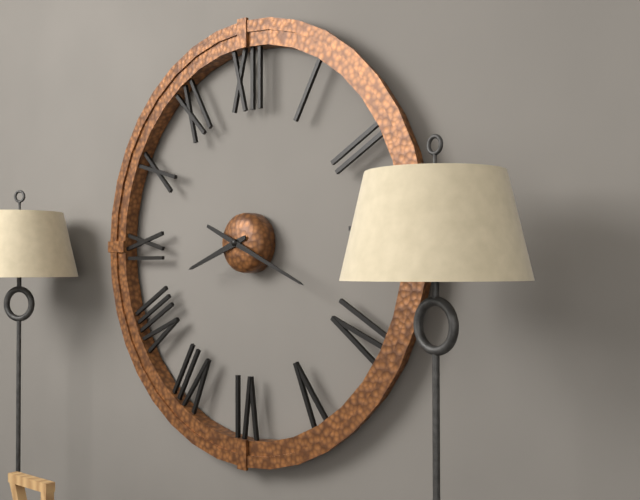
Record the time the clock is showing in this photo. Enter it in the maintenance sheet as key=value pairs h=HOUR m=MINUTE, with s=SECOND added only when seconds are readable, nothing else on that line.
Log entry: h=8 m=19
